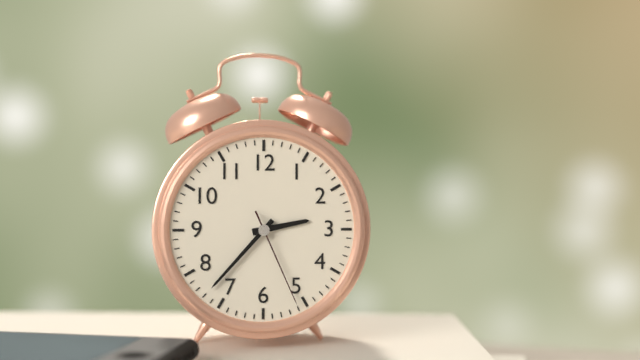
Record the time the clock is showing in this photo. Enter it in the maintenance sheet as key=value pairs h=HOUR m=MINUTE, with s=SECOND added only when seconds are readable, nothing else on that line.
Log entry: h=2 m=37 s=26
